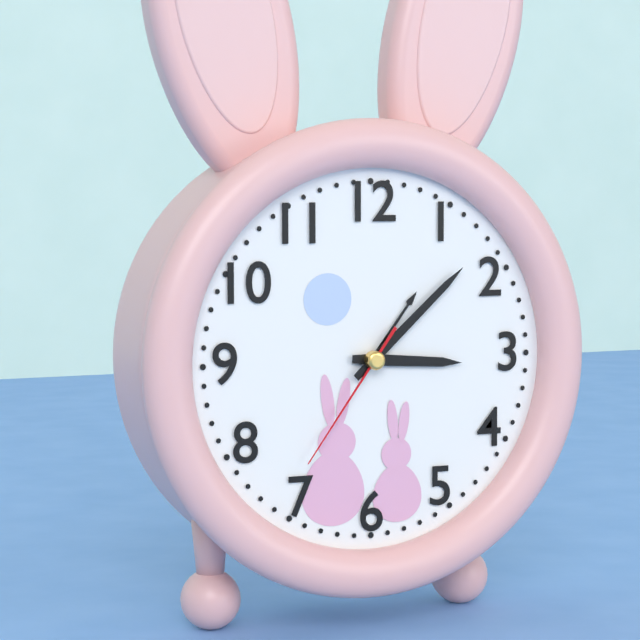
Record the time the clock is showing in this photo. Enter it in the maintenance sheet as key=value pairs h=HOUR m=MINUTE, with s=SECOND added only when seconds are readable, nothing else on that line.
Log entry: h=3 m=8 s=36
